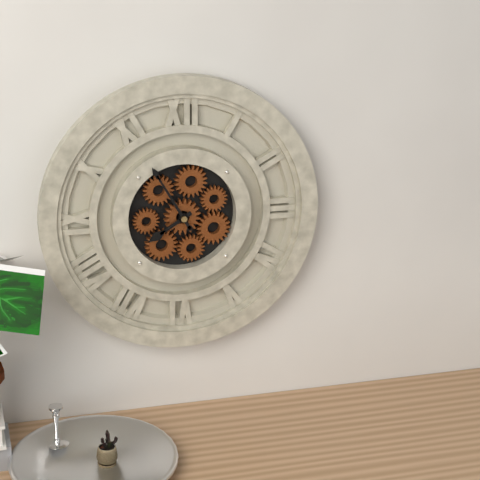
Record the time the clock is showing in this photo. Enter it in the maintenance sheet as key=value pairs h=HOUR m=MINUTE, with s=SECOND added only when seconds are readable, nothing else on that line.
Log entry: h=7 m=55
